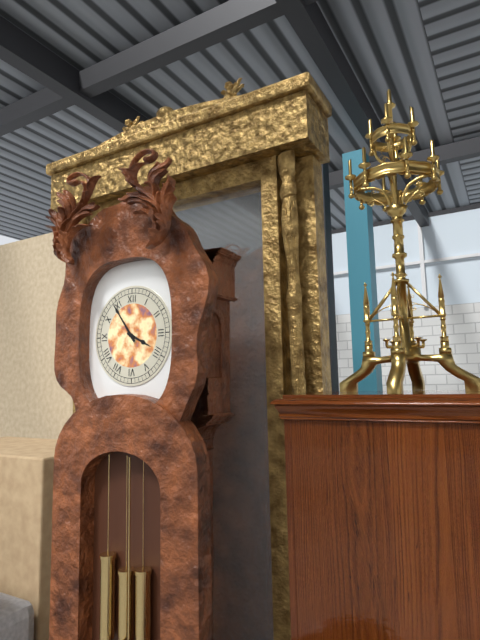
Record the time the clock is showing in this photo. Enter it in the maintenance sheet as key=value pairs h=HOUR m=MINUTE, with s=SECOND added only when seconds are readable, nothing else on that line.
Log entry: h=3 m=54
